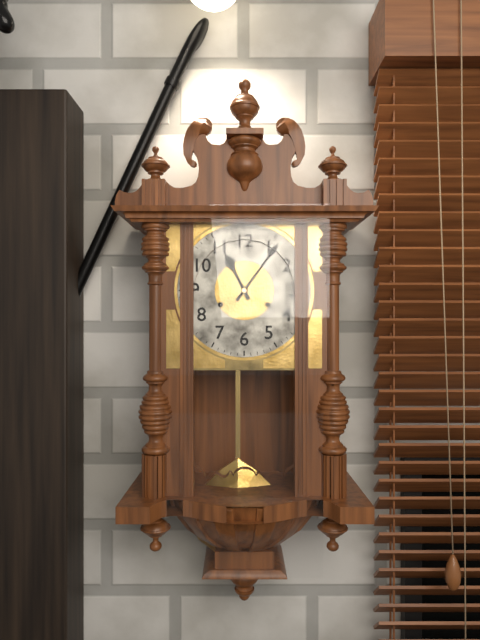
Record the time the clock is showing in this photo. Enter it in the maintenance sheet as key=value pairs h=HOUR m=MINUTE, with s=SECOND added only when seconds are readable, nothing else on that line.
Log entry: h=11 m=6
